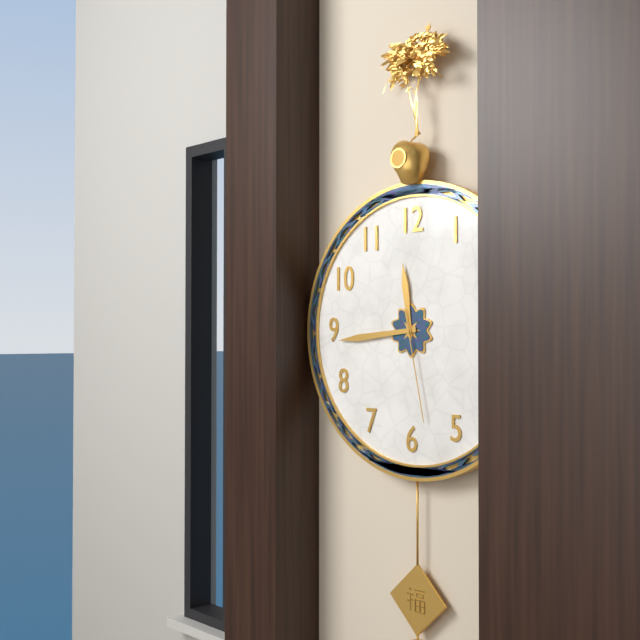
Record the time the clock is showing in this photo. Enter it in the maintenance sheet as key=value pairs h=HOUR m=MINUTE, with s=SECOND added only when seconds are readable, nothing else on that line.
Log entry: h=11 m=44 s=28
